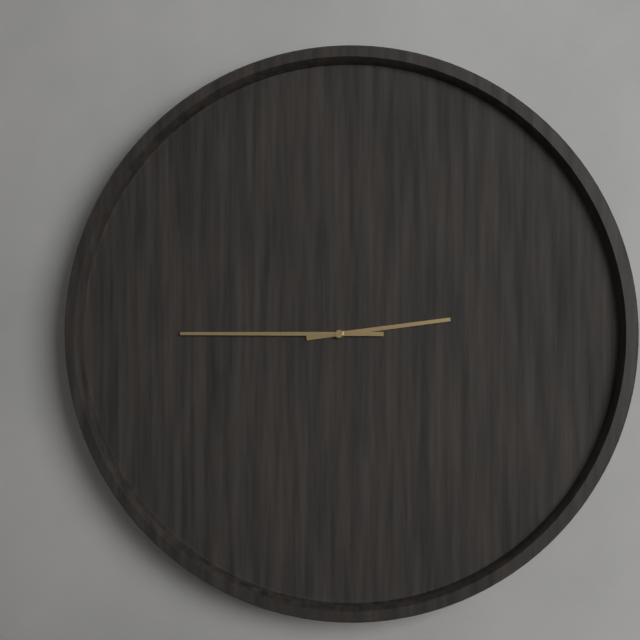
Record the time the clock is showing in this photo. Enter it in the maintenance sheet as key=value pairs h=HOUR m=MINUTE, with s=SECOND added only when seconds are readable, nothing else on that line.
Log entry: h=2 m=45
